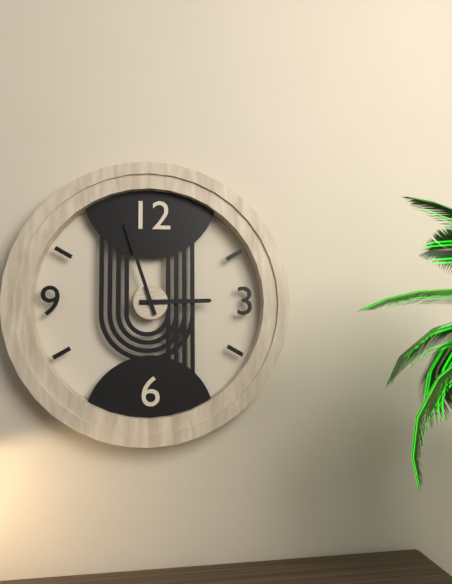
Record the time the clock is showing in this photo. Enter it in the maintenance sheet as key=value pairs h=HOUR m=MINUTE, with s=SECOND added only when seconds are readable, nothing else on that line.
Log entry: h=2 m=57
